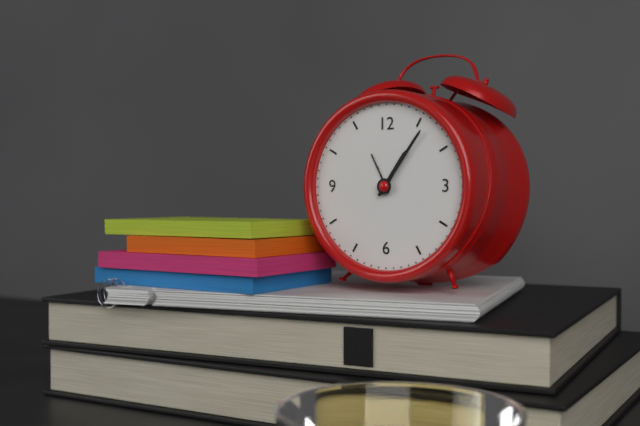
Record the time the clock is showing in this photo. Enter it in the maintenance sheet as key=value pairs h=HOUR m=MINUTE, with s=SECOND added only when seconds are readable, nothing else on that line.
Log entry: h=1 m=6
